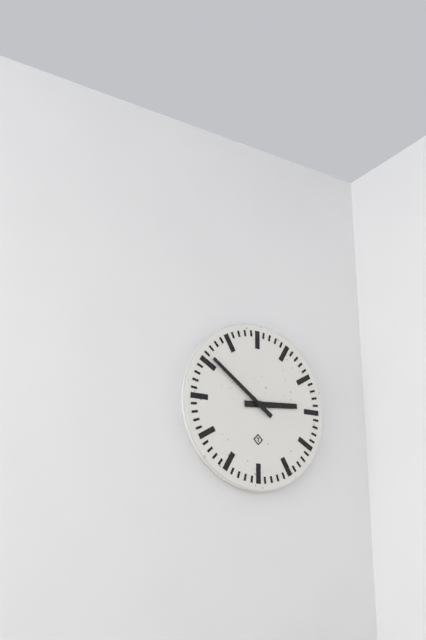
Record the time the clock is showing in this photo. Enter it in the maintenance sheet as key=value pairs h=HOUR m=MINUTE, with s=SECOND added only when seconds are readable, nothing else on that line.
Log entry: h=2 m=51
